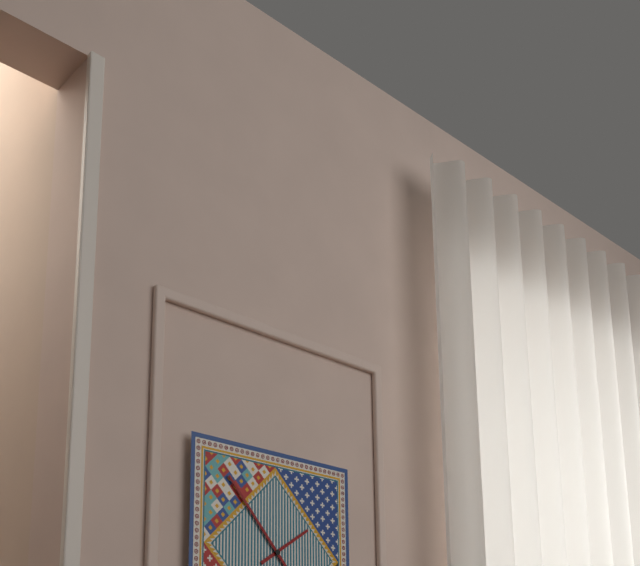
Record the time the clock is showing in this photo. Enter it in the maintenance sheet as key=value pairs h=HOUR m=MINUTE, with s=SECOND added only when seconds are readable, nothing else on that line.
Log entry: h=1 m=53
